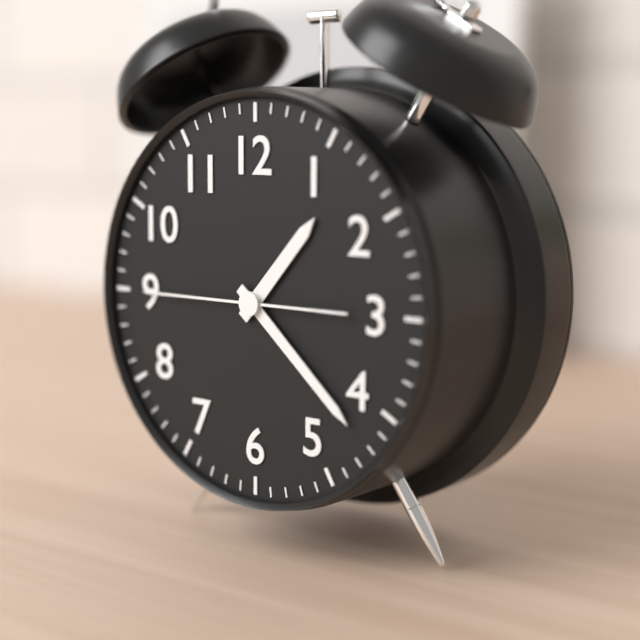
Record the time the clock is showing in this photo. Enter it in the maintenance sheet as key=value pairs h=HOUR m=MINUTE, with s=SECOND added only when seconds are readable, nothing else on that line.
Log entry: h=1 m=22 s=45
